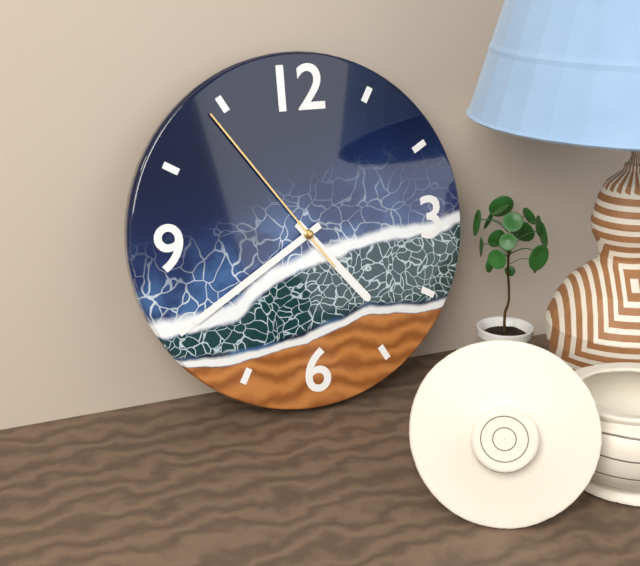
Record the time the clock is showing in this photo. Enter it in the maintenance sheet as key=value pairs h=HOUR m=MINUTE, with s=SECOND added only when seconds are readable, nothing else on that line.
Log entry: h=4 m=40 s=54
